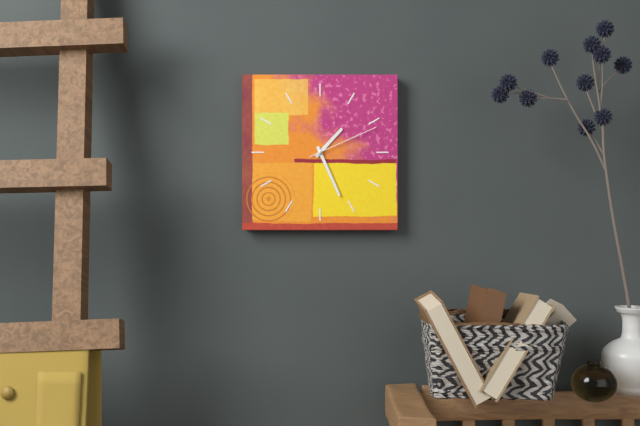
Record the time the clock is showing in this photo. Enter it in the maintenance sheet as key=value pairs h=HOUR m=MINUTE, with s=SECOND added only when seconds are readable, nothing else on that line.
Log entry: h=1 m=26 s=11
